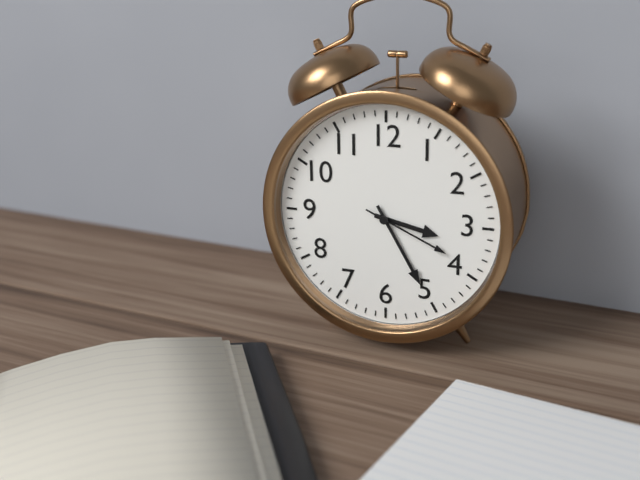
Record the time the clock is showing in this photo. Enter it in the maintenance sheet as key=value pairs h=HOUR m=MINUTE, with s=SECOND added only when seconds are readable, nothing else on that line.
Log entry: h=3 m=25 s=19
